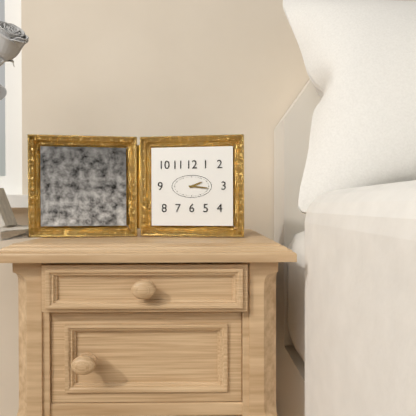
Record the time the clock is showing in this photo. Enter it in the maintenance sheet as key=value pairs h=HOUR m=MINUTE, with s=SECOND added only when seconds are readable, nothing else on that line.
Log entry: h=2 m=16
